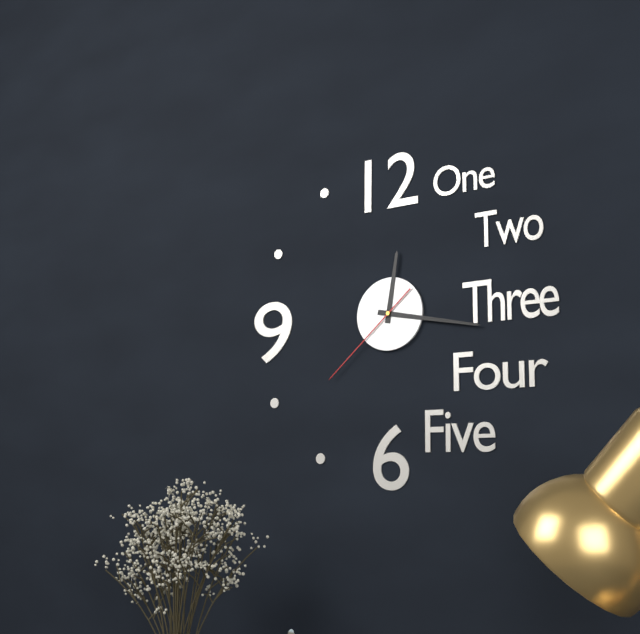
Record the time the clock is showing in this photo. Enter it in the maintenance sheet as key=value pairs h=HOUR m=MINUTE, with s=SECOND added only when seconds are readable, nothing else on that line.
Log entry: h=12 m=17 s=38
